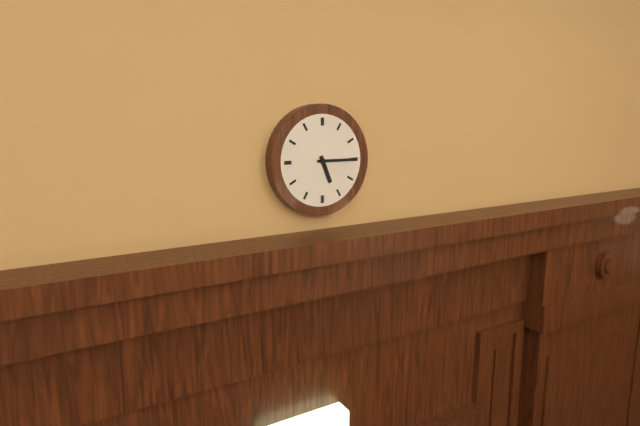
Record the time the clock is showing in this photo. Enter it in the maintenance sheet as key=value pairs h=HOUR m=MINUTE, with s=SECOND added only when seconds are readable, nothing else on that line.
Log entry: h=5 m=15
